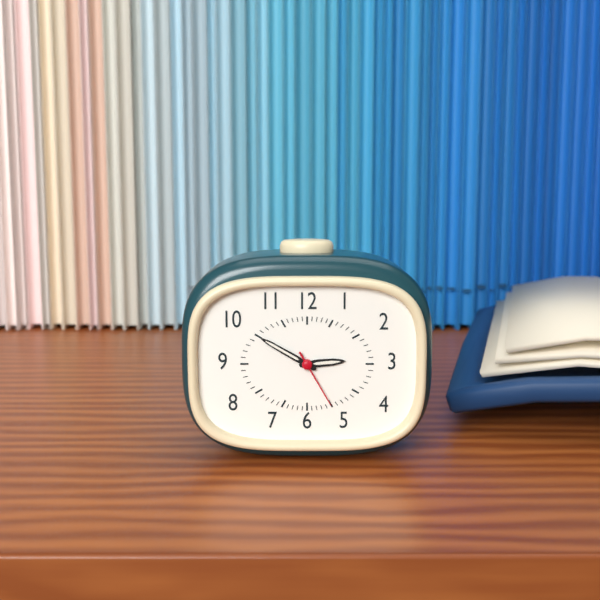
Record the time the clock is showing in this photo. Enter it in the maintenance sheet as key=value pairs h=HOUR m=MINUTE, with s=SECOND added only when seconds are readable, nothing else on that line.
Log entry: h=2 m=50 s=25
